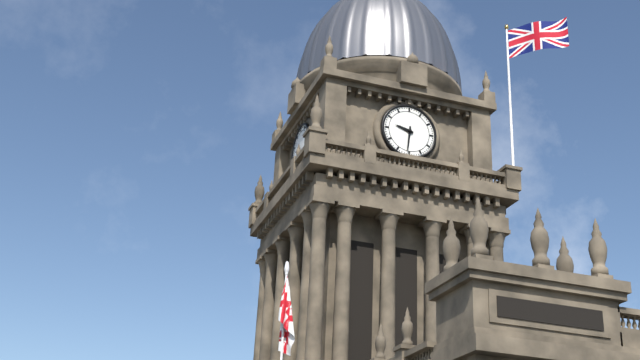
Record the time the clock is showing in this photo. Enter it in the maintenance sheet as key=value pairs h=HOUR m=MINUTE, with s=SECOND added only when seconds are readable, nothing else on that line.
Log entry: h=9 m=31
